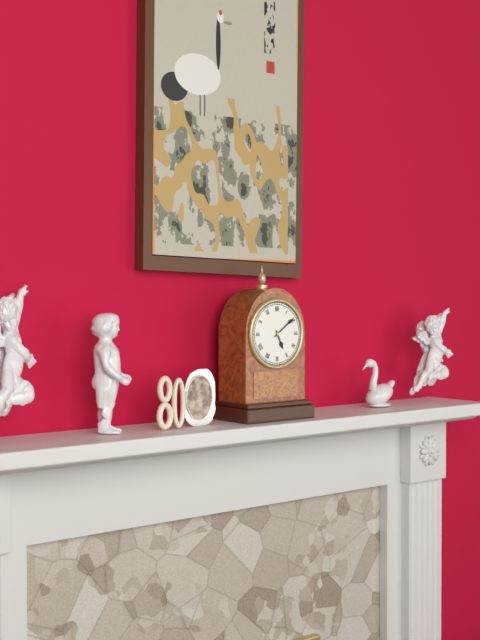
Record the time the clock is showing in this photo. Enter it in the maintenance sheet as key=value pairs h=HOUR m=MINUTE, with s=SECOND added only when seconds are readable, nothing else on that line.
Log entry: h=5 m=9
